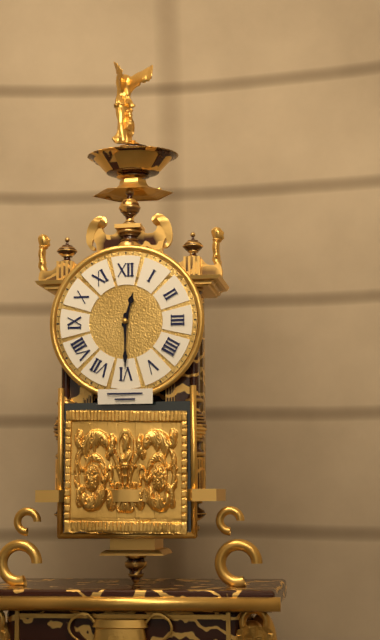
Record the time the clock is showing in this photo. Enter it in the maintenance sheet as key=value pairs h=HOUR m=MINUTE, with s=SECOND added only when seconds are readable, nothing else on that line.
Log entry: h=12 m=30
